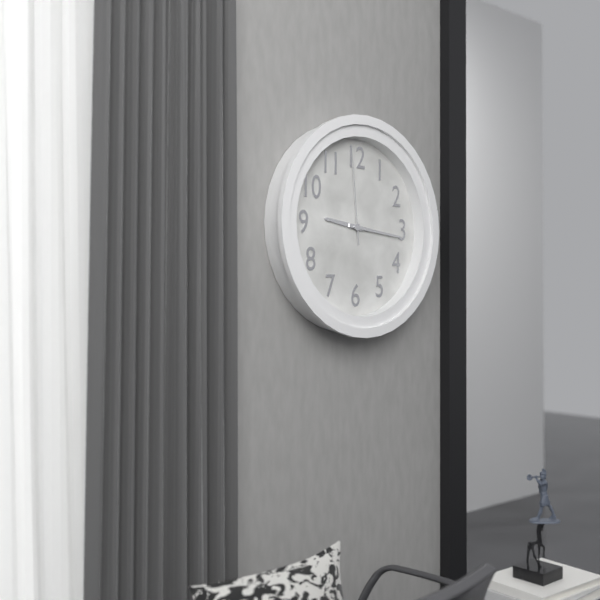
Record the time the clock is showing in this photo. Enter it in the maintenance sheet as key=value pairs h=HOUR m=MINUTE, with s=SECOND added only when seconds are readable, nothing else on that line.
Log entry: h=9 m=16 s=59
